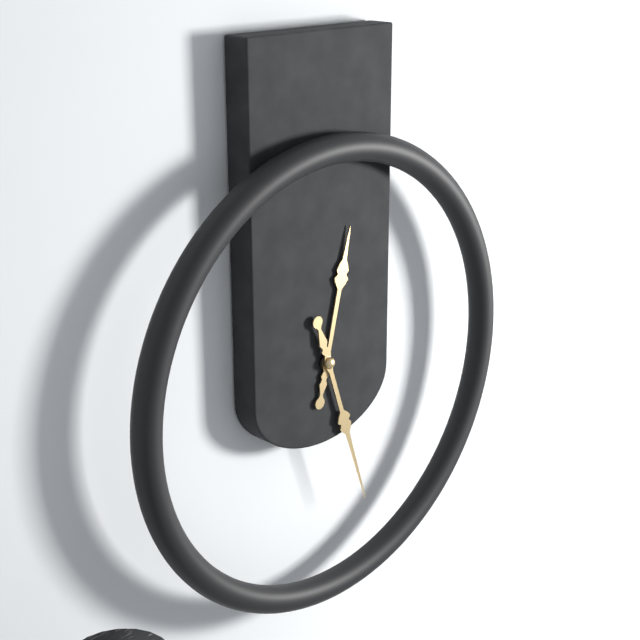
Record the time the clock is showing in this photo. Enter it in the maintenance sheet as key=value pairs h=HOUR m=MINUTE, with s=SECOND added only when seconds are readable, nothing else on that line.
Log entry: h=12 m=27
